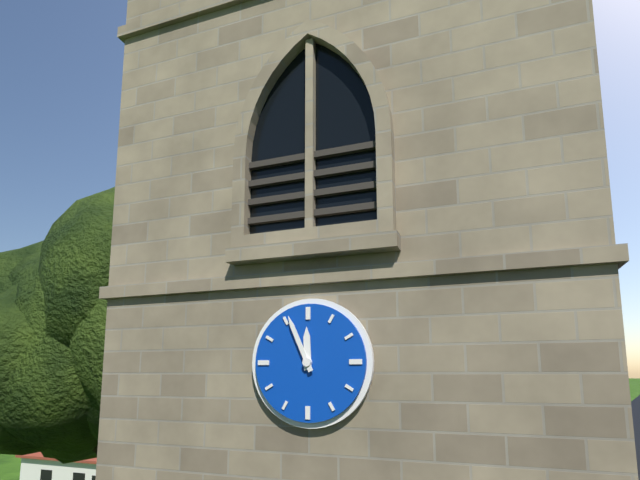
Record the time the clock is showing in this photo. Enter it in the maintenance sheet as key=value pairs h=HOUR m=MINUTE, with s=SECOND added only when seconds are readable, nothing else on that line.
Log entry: h=11 m=56
